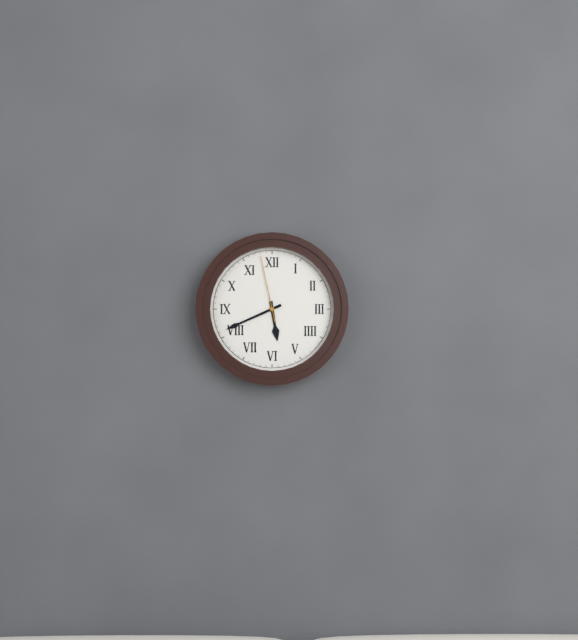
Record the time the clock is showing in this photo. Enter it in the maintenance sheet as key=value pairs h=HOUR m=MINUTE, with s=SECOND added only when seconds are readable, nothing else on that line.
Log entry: h=5 m=41 s=58
